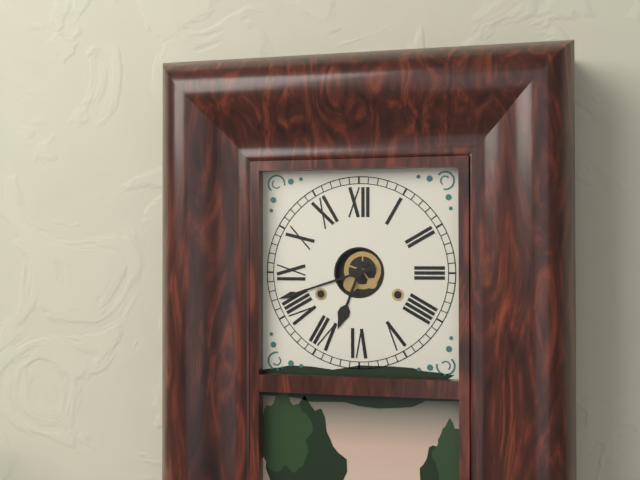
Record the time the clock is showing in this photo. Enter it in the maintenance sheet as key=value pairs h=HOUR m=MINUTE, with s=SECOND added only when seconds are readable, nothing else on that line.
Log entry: h=6 m=42
